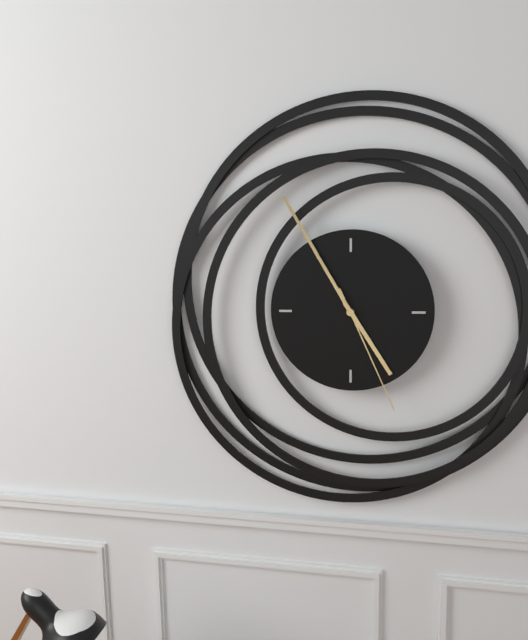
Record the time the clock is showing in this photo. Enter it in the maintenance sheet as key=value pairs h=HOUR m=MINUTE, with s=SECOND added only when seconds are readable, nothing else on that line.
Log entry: h=4 m=55 s=26
